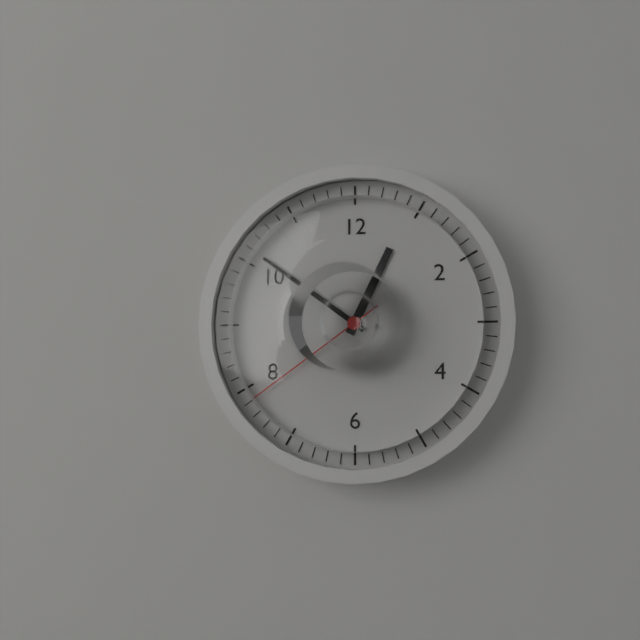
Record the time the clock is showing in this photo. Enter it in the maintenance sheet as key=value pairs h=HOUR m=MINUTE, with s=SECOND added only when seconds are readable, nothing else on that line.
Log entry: h=12 m=51 s=39
